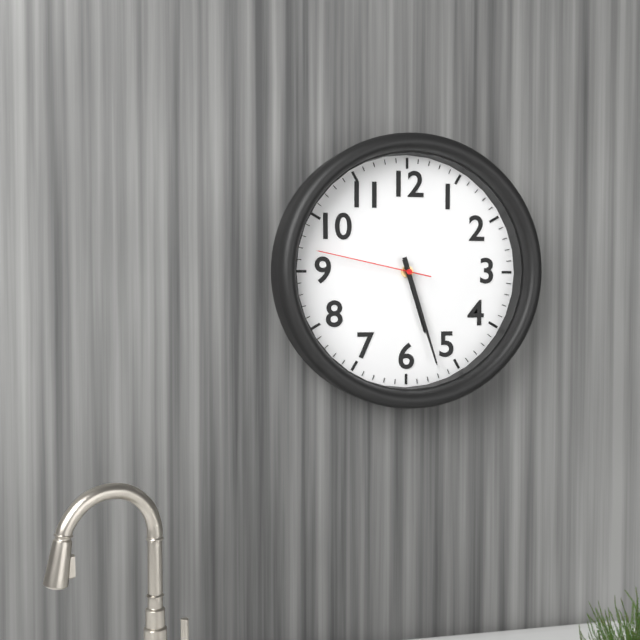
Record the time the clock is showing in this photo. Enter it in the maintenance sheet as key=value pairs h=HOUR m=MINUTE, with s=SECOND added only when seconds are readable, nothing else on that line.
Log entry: h=5 m=27 s=47
